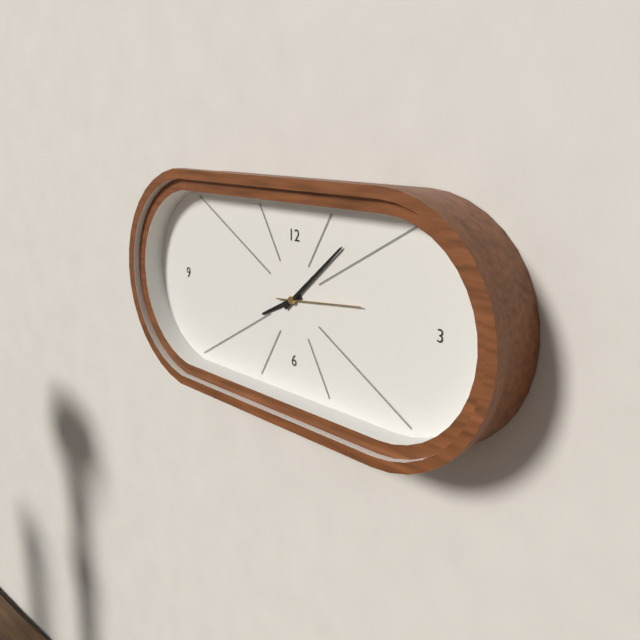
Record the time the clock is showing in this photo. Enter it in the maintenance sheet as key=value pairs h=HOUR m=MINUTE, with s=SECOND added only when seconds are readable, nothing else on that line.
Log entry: h=8 m=8 s=14
